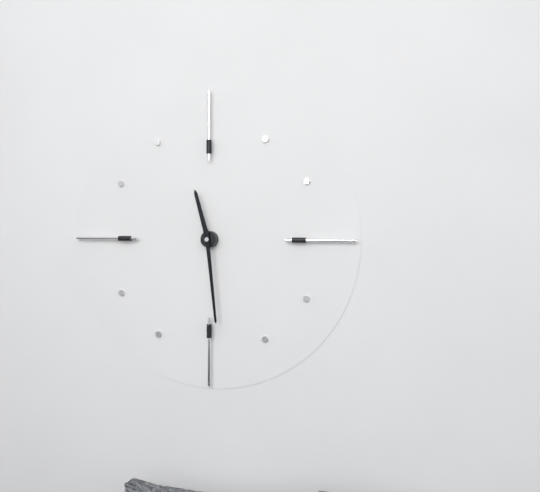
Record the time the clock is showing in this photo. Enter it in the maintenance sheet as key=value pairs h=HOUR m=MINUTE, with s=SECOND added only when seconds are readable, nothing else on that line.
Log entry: h=11 m=29
